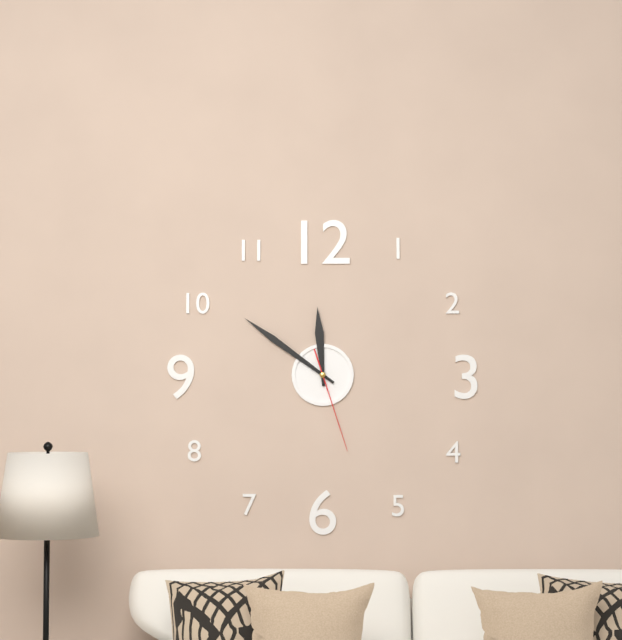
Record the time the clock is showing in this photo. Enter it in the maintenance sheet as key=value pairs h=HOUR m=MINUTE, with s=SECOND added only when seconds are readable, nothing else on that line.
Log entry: h=11 m=51 s=27
